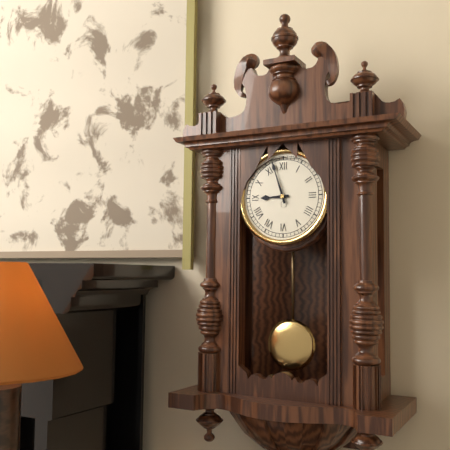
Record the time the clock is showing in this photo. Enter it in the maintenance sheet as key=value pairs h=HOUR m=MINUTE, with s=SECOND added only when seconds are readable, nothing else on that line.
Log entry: h=8 m=57
